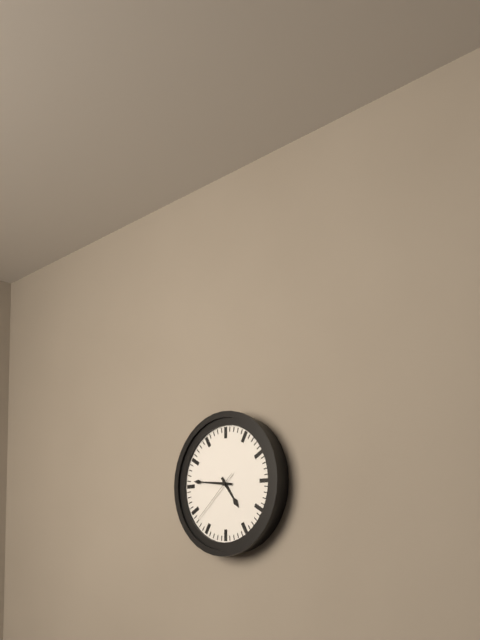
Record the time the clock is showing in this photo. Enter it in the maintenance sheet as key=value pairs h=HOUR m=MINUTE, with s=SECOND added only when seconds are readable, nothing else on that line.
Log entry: h=4 m=46 s=38
